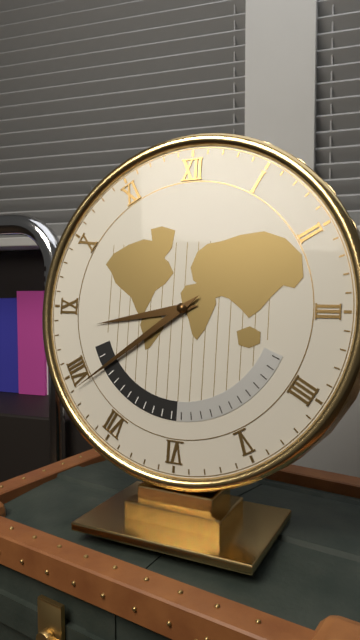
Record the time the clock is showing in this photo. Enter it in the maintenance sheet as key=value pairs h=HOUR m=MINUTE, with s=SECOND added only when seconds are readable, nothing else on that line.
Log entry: h=8 m=39
